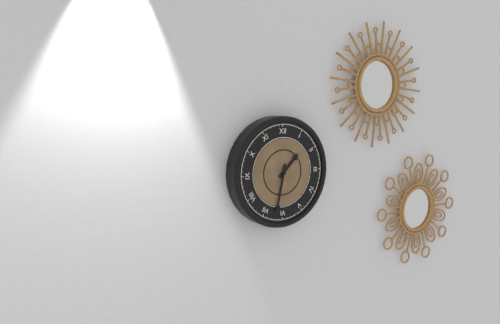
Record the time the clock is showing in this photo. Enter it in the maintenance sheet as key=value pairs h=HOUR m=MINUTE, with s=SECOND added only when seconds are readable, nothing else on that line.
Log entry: h=1 m=32
